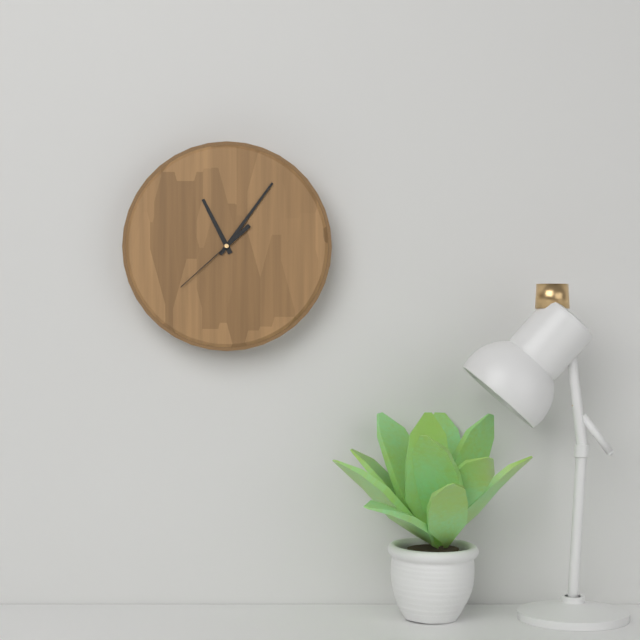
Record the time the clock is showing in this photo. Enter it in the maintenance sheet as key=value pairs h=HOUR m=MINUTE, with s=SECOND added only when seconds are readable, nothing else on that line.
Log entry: h=11 m=6 s=38
